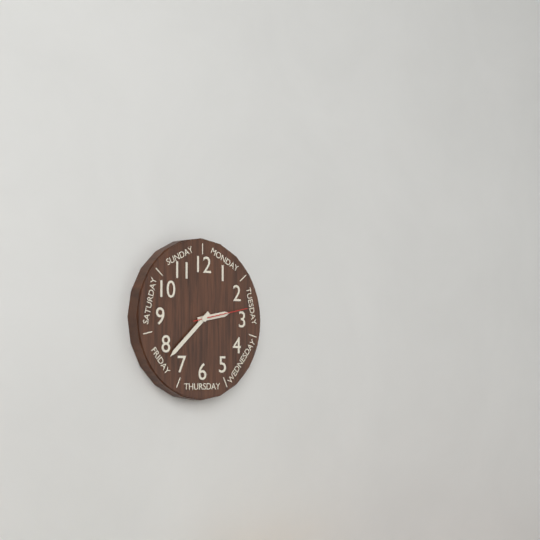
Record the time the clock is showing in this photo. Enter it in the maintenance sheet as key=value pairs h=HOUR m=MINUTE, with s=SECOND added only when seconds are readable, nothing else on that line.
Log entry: h=2 m=38 s=13
